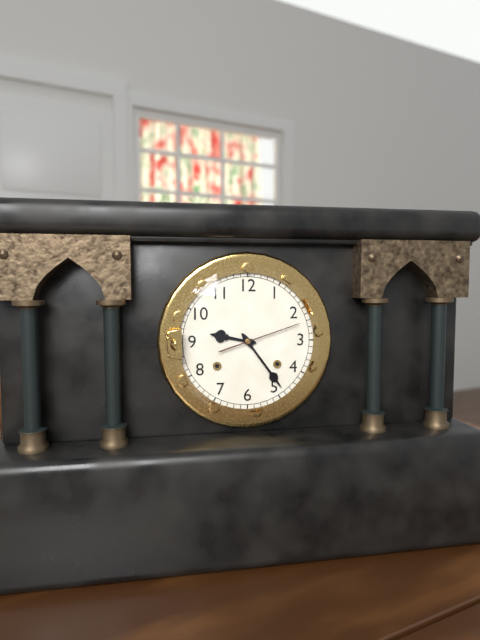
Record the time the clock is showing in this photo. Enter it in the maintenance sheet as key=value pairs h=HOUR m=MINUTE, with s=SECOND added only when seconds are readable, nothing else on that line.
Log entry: h=9 m=24 s=12
